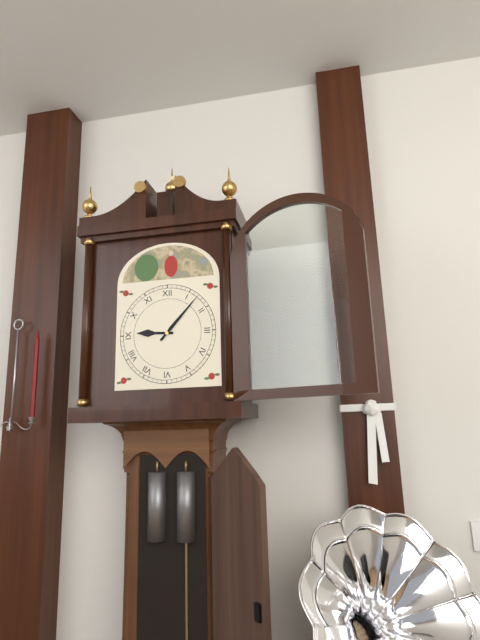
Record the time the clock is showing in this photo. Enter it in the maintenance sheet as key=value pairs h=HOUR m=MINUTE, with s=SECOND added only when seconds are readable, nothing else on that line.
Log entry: h=9 m=7
